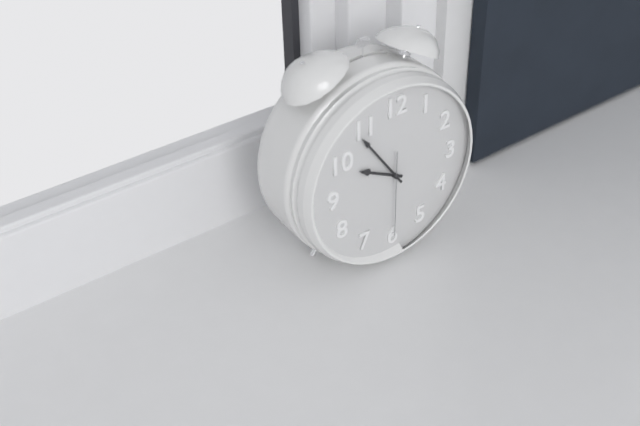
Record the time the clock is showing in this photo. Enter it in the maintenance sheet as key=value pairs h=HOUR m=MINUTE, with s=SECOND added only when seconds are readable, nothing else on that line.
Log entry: h=9 m=54 s=30
